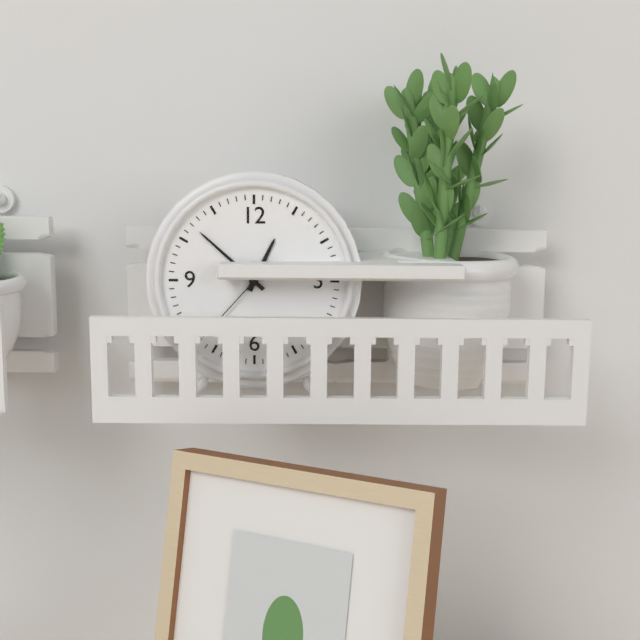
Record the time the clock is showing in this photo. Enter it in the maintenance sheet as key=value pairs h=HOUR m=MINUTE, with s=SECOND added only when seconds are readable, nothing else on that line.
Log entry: h=12 m=52
